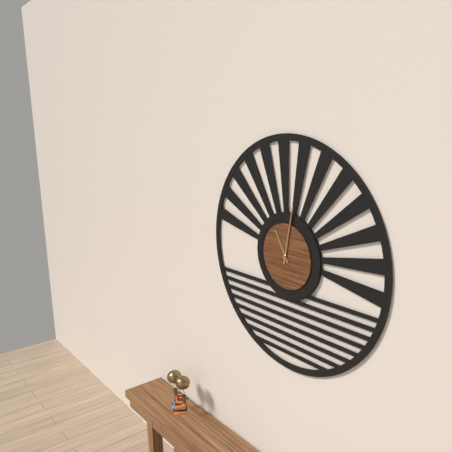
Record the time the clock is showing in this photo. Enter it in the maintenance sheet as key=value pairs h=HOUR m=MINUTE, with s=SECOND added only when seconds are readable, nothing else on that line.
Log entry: h=11 m=2
